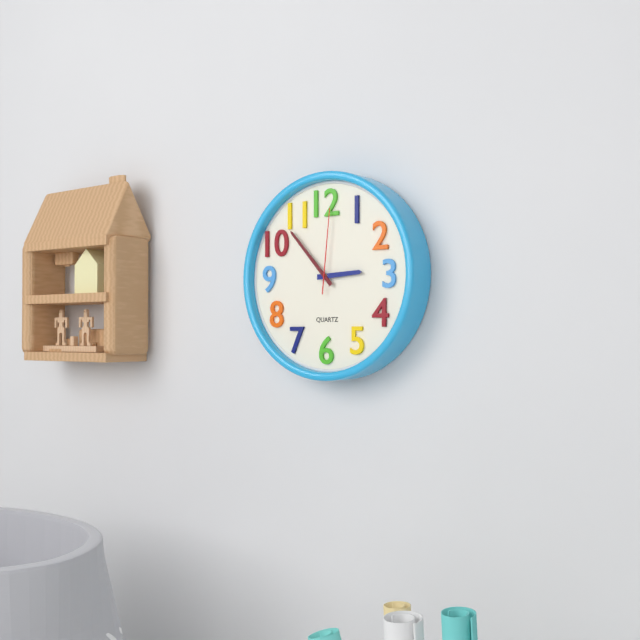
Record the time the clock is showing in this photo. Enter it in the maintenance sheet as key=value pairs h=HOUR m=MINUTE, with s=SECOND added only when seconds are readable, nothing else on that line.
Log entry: h=2 m=53 s=1
